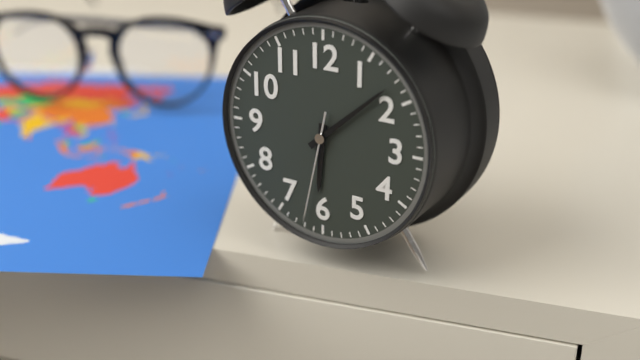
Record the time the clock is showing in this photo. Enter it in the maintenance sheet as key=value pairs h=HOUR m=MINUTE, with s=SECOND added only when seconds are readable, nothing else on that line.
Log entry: h=6 m=8 s=32
